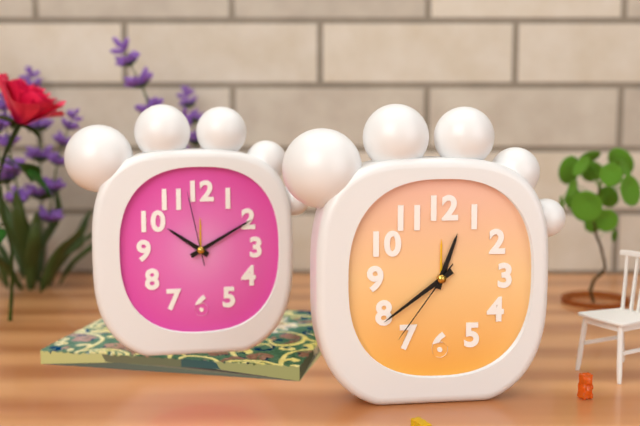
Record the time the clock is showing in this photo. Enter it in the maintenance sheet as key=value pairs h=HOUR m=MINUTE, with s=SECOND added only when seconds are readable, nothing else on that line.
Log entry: h=12 m=39 s=36
